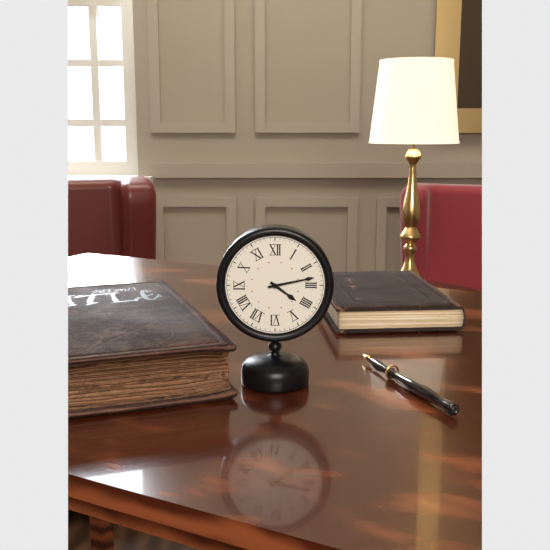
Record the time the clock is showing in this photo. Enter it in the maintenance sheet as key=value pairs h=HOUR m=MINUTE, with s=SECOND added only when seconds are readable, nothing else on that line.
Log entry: h=4 m=13
